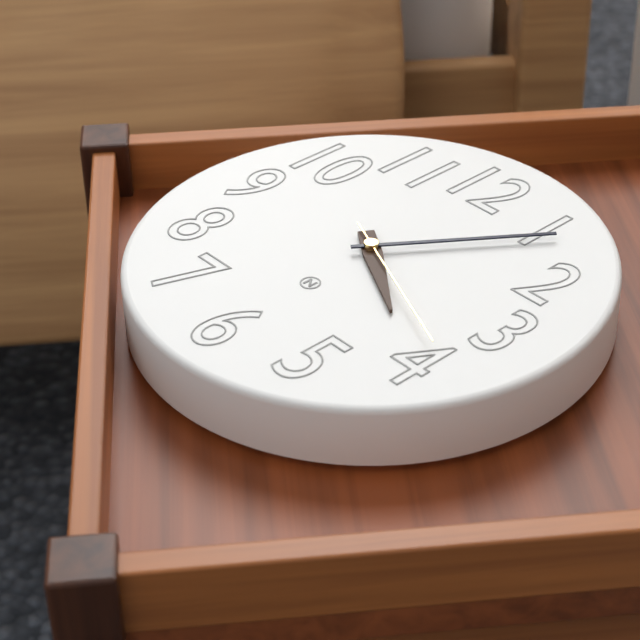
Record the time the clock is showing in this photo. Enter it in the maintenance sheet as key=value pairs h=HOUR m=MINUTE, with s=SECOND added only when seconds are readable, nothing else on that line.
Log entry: h=4 m=6 s=19
